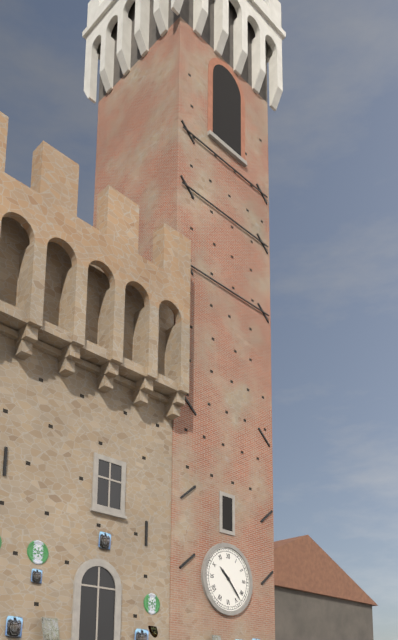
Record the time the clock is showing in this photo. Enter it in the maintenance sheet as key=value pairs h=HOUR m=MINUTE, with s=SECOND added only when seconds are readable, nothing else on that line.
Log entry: h=10 m=23
